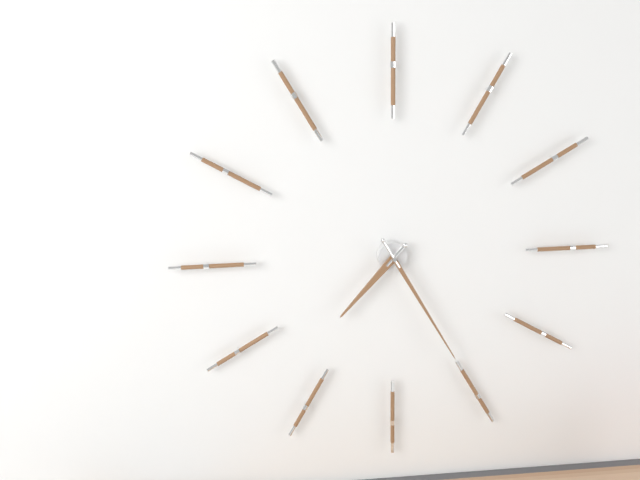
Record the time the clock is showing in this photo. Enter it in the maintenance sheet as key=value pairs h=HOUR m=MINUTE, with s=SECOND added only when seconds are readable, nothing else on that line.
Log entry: h=7 m=25
